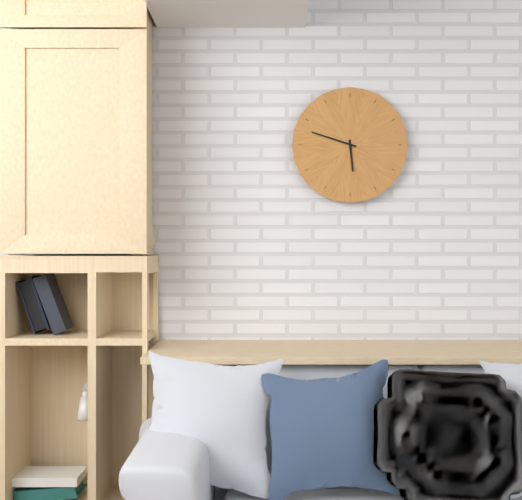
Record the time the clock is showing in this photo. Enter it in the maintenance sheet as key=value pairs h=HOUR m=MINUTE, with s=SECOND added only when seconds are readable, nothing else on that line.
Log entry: h=5 m=48
